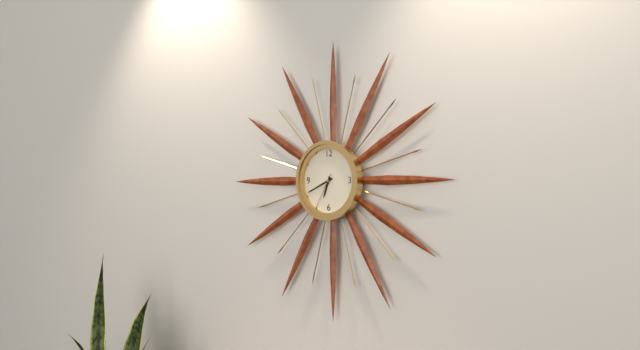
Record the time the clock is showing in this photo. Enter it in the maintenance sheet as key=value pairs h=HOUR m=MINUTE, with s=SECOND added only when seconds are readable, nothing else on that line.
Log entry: h=6 m=41
